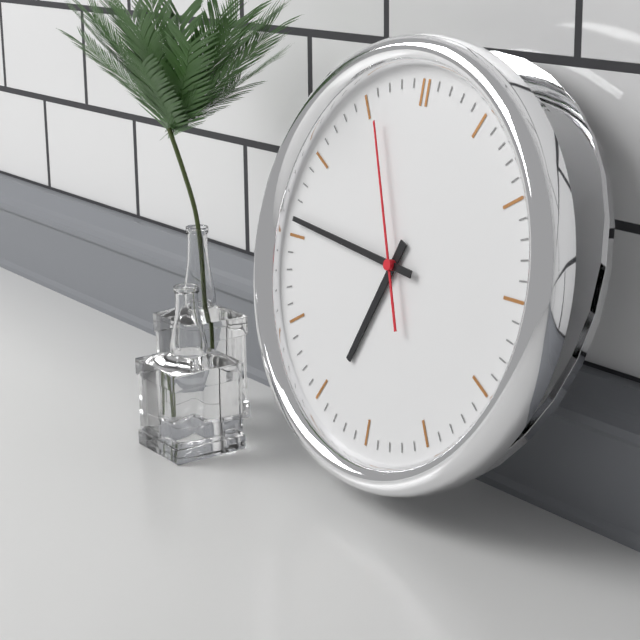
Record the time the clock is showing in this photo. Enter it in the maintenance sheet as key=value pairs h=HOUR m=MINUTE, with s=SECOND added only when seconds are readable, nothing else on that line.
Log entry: h=6 m=46 s=56
